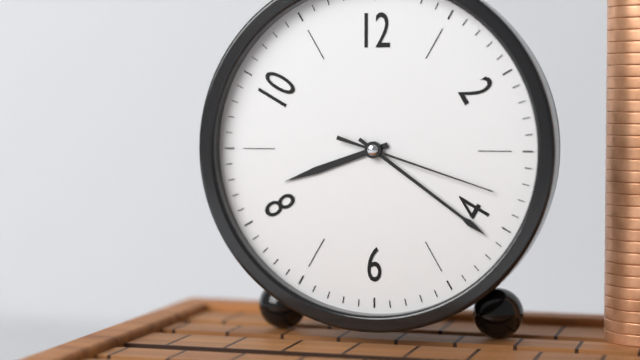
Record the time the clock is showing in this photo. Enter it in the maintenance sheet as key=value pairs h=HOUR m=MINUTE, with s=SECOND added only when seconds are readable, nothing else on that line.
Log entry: h=8 m=21 s=18
